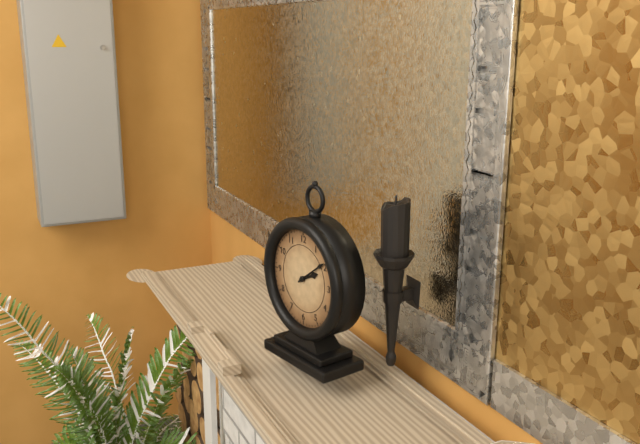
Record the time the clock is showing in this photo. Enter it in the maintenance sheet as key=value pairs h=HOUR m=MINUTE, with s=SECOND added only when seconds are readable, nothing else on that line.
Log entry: h=2 m=9
